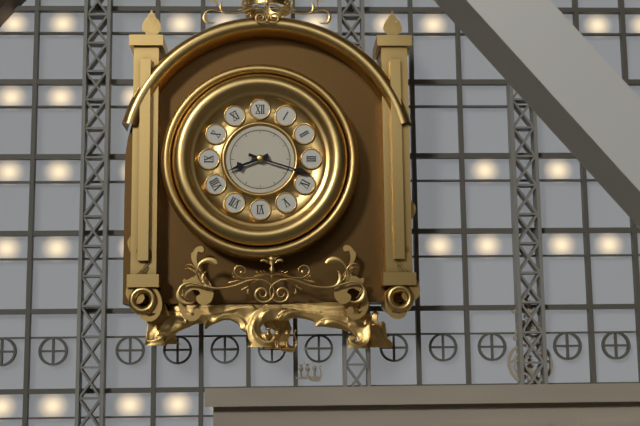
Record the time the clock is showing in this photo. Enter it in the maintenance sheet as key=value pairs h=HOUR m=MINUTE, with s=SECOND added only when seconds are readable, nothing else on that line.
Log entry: h=8 m=18
